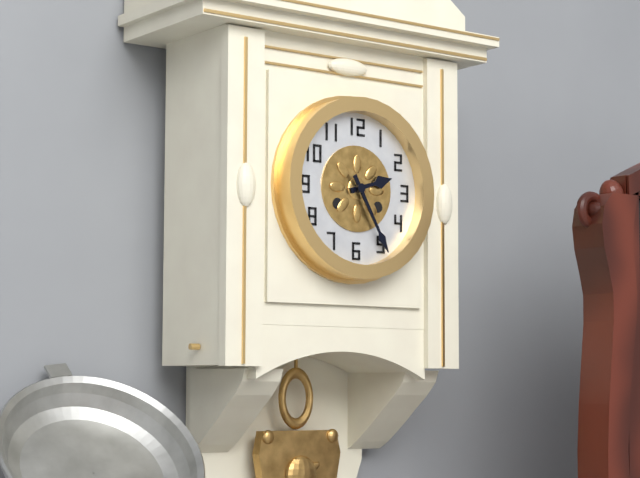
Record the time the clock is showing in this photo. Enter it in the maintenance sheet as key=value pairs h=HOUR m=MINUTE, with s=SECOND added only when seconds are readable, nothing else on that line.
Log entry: h=2 m=25
